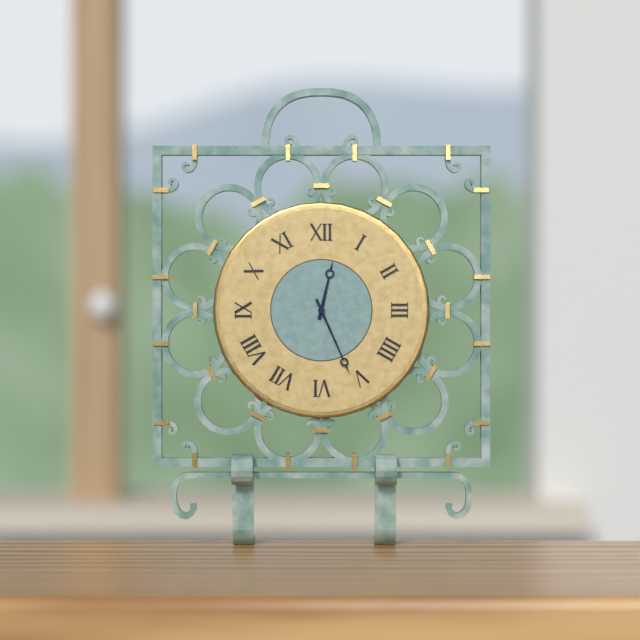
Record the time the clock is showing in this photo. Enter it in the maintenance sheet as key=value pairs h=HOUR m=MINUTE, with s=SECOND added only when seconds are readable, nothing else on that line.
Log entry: h=12 m=26
